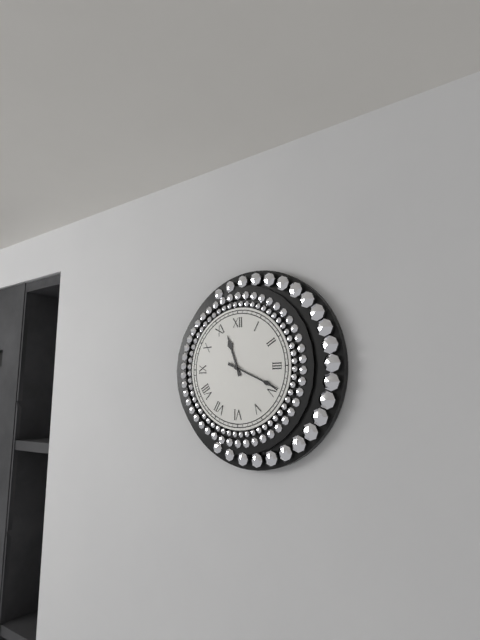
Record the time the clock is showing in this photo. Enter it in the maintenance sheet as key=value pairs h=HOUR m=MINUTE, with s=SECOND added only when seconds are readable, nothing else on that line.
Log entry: h=11 m=19
